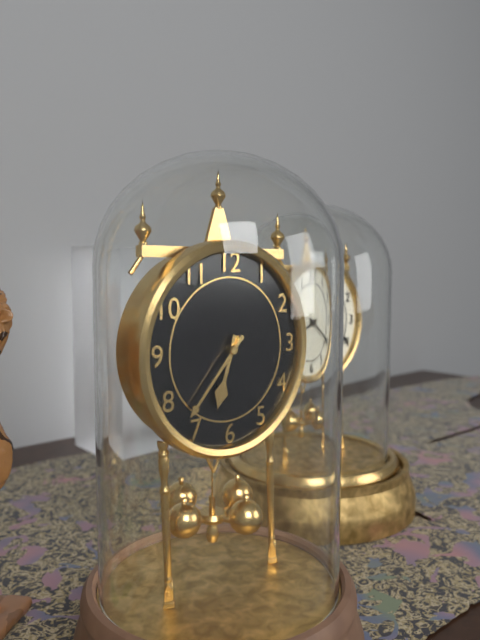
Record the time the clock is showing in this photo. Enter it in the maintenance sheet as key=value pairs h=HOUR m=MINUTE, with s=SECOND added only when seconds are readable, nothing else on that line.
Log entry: h=6 m=37
